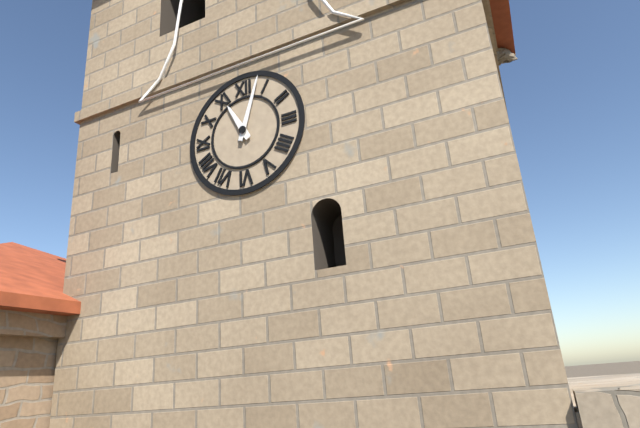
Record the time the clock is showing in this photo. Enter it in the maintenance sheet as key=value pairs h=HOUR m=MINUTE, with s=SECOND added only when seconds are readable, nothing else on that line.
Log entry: h=11 m=3
